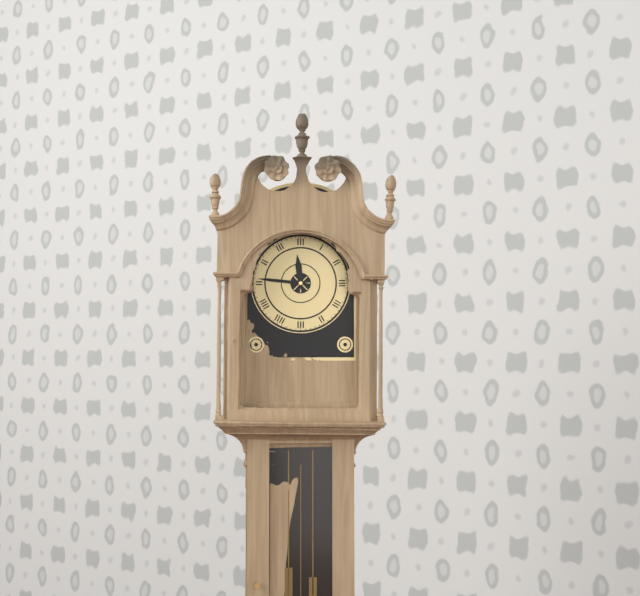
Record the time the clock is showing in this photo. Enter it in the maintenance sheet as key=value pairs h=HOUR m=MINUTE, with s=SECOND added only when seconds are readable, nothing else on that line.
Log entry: h=11 m=46
